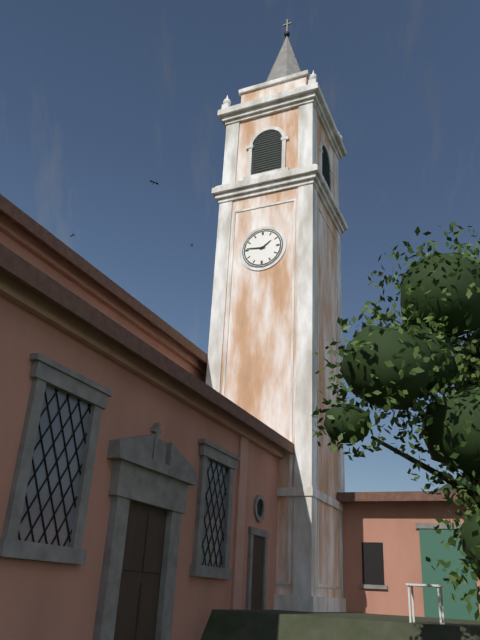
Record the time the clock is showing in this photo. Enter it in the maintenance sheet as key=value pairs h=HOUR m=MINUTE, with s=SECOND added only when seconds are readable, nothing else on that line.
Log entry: h=1 m=46
